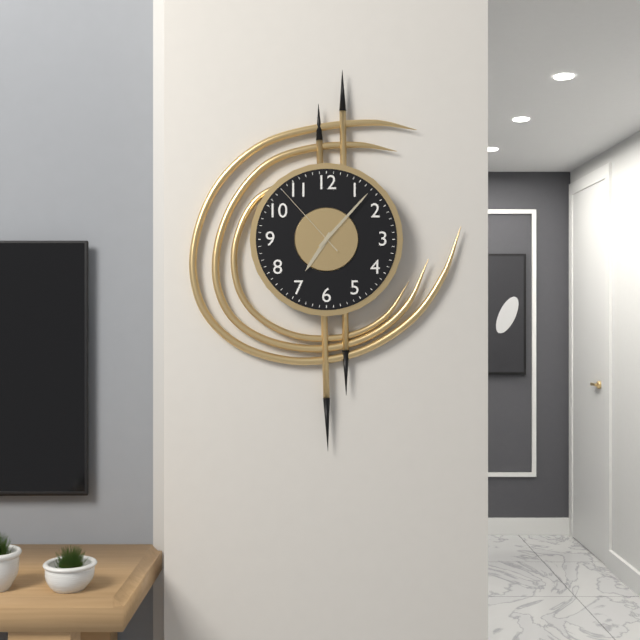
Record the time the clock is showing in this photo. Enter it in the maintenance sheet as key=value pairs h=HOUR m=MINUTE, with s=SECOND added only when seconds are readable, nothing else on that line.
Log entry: h=7 m=7 s=53
